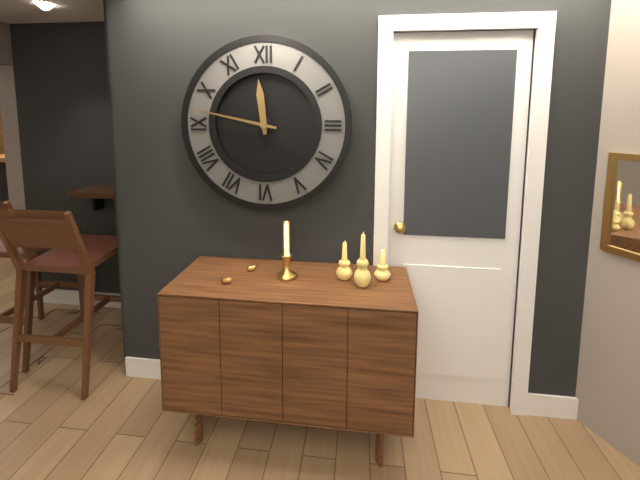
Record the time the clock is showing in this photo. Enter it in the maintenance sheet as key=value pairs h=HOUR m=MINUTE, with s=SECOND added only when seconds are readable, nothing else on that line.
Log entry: h=11 m=47
